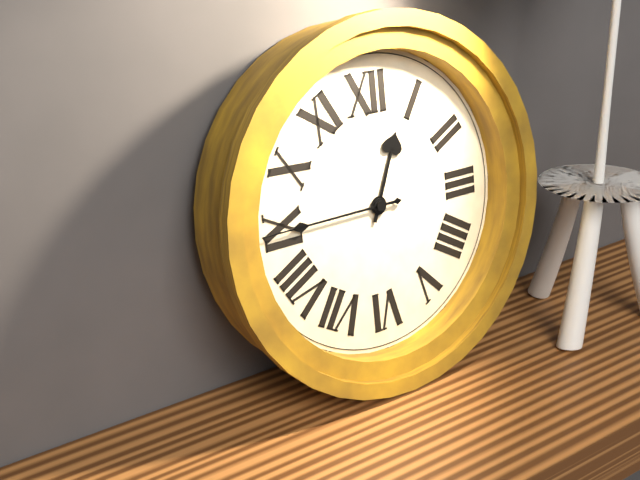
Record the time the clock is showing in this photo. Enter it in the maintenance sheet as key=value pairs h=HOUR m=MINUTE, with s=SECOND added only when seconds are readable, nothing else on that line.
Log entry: h=12 m=45
